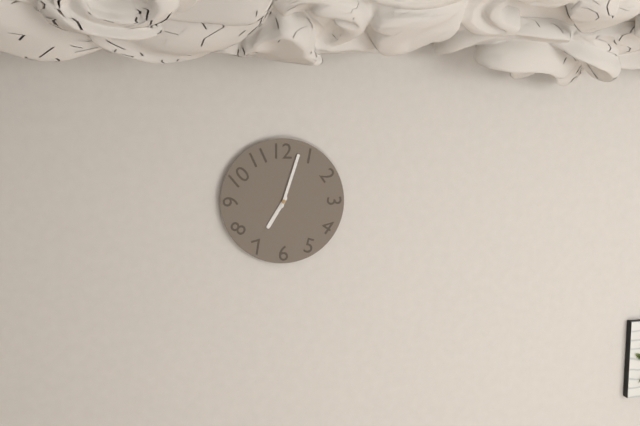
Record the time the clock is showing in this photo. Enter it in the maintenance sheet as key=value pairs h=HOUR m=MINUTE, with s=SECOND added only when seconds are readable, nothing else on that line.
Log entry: h=7 m=3
